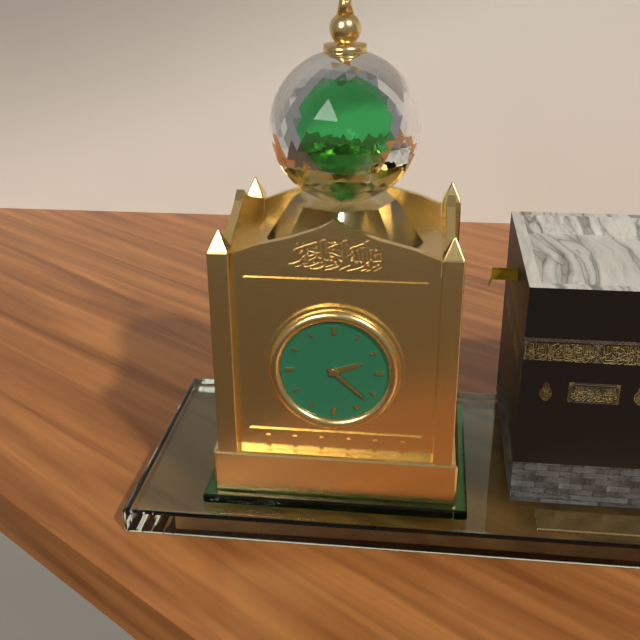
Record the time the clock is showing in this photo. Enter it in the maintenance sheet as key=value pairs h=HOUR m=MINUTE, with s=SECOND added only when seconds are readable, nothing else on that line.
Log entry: h=2 m=22
